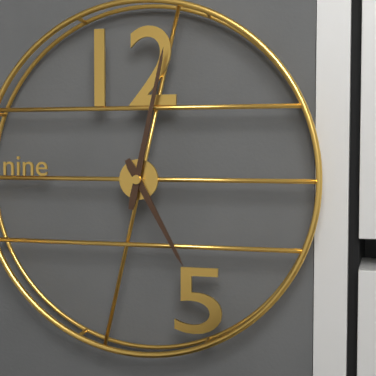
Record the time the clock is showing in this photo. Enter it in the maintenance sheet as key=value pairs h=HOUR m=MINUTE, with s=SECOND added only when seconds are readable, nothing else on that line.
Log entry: h=5 m=2
